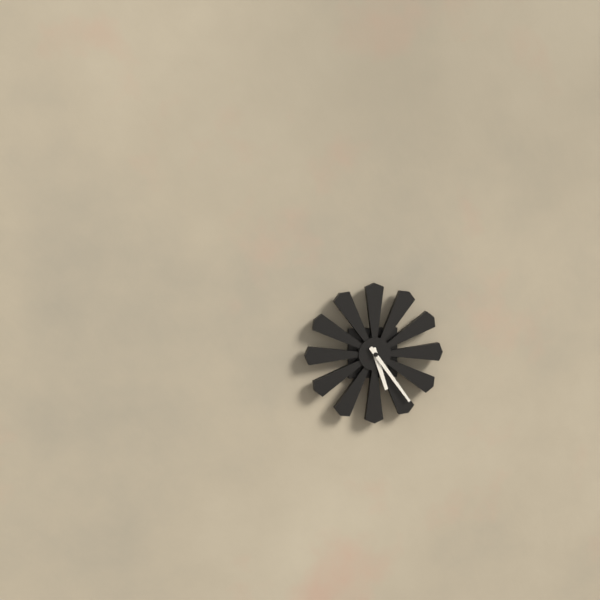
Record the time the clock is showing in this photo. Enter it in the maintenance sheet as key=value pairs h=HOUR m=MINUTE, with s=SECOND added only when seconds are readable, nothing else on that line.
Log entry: h=5 m=24
